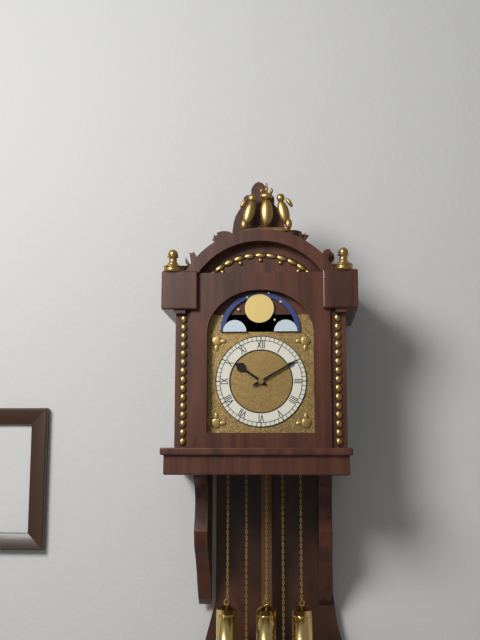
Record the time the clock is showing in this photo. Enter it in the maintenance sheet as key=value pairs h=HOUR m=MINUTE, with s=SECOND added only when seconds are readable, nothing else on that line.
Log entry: h=10 m=10
